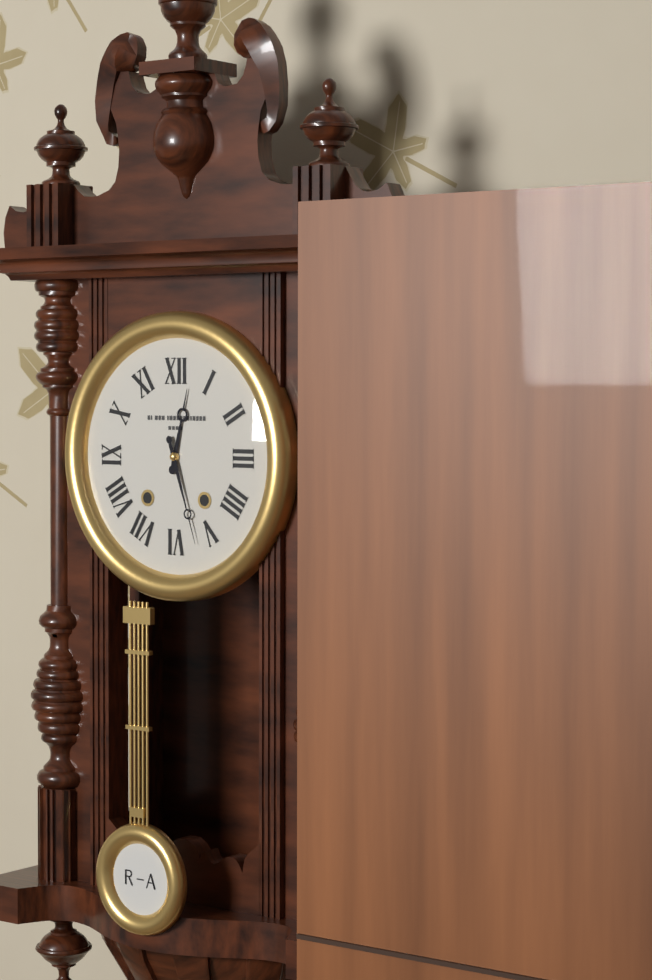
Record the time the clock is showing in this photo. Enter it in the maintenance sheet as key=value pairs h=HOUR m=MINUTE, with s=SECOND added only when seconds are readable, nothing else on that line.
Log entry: h=12 m=27
